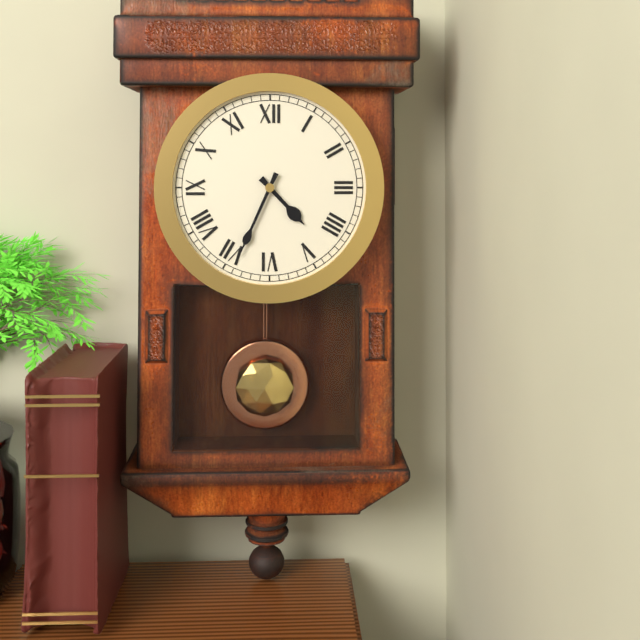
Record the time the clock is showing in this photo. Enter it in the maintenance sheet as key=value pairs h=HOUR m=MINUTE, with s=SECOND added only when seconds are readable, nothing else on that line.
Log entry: h=4 m=34
